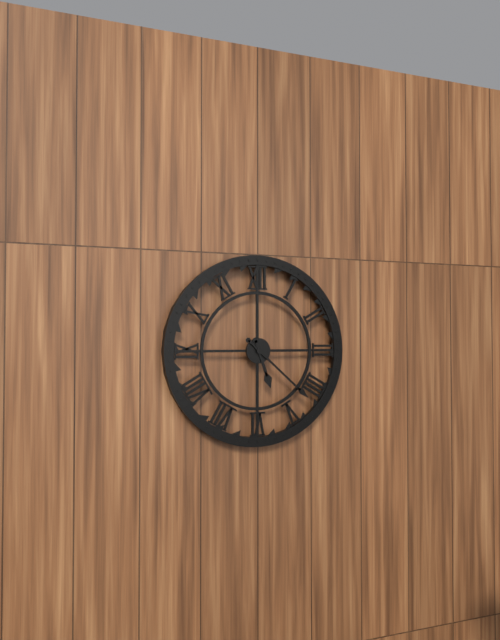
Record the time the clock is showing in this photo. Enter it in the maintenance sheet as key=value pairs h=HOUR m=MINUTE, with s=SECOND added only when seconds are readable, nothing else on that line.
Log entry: h=5 m=22
